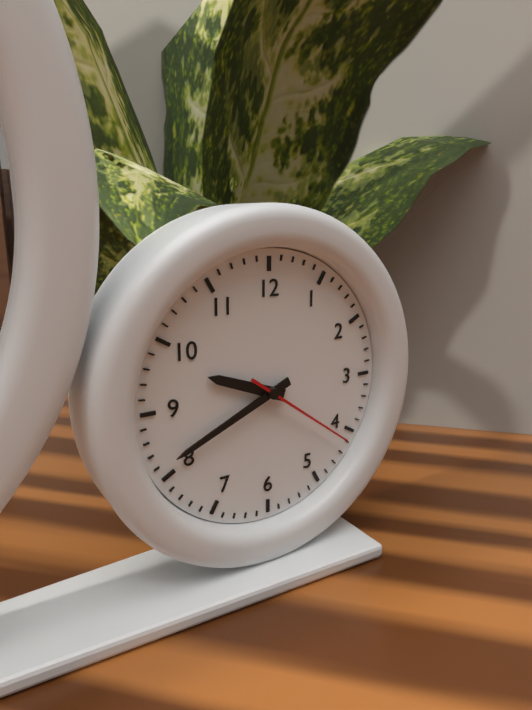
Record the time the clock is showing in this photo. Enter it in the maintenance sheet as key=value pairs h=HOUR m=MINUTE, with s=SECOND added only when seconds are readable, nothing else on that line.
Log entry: h=9 m=41 s=21
